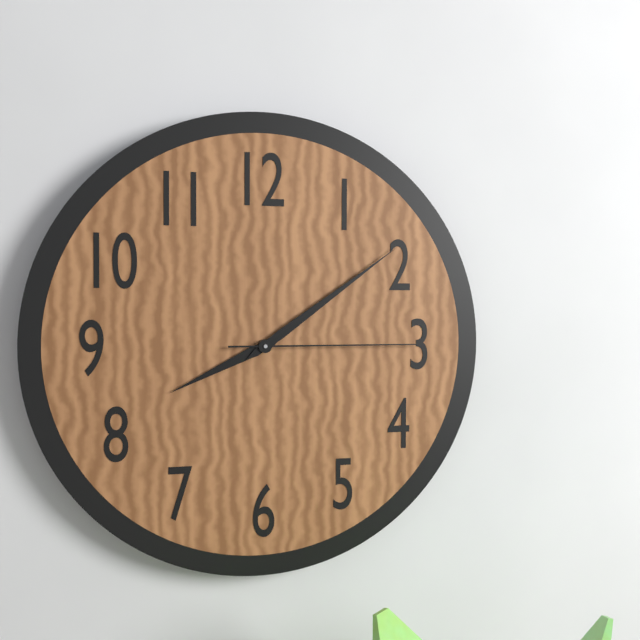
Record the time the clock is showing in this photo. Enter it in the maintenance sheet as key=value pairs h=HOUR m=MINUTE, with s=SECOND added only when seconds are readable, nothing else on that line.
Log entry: h=8 m=9 s=15
